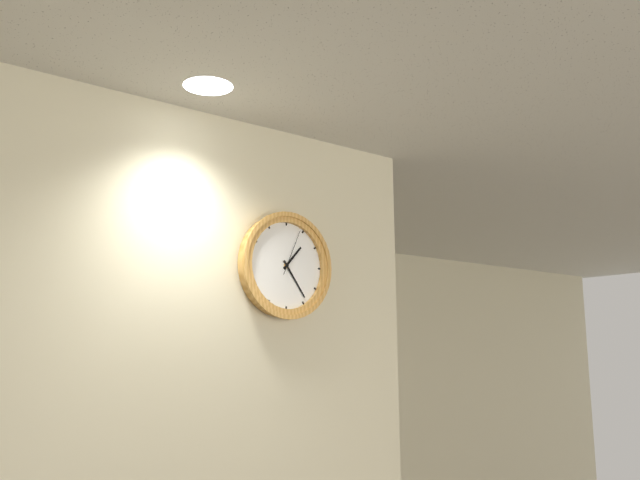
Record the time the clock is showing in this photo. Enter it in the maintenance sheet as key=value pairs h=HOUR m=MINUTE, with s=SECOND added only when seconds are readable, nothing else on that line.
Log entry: h=1 m=24
